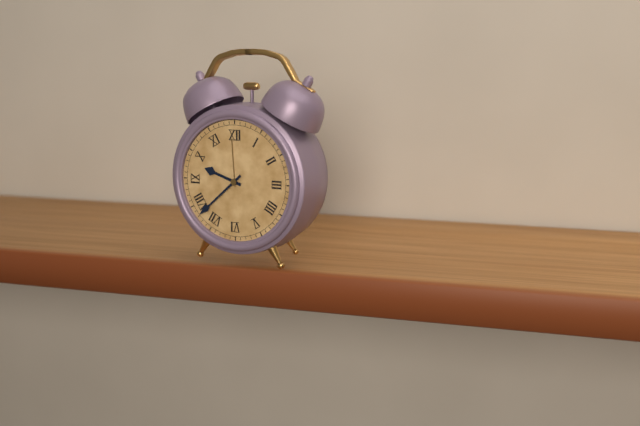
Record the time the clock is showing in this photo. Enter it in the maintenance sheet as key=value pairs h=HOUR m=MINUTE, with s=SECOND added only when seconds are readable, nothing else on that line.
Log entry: h=9 m=38
